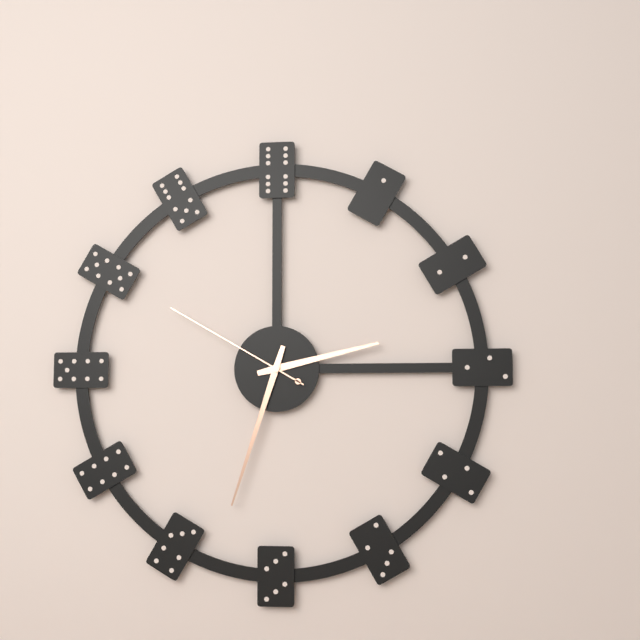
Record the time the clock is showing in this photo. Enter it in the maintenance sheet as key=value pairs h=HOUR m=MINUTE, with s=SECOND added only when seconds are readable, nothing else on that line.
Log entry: h=2 m=33 s=50
